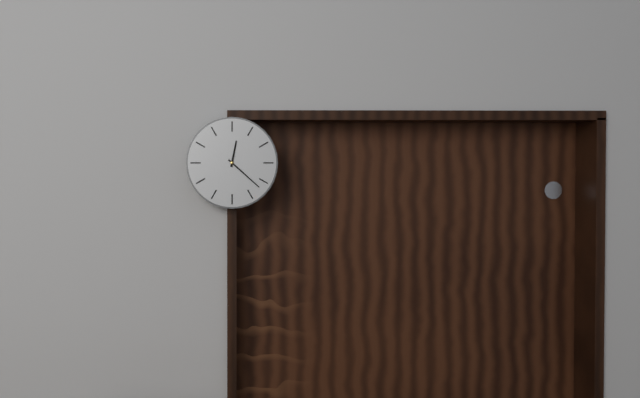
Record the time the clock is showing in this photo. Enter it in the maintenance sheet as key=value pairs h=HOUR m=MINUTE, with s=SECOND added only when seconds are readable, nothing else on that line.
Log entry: h=12 m=22
